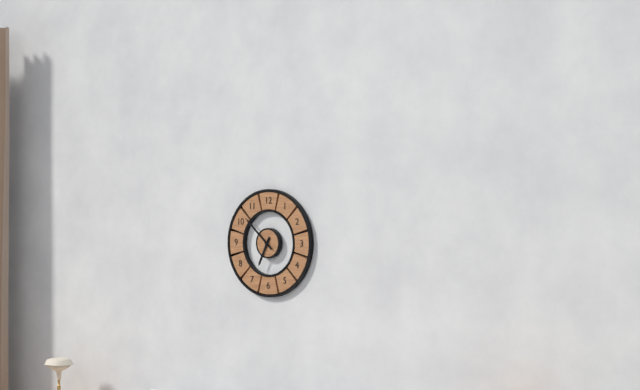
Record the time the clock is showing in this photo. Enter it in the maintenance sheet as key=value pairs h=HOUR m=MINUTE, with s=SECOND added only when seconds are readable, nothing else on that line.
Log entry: h=6 m=52
